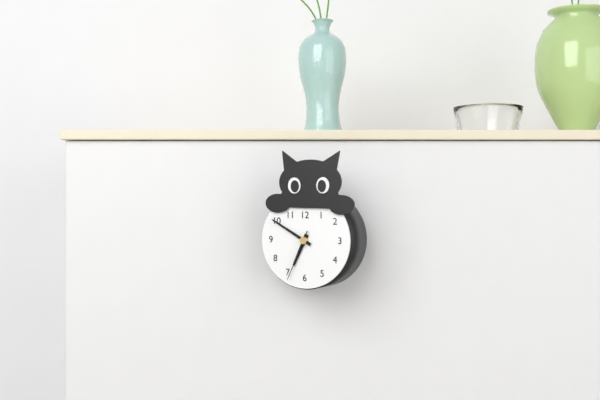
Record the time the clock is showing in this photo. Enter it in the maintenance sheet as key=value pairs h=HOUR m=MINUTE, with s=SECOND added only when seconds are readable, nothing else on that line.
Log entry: h=6 m=50 s=34
